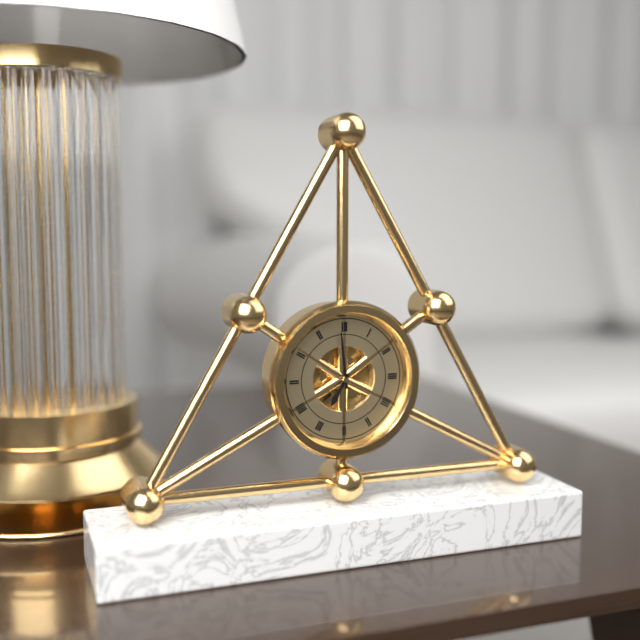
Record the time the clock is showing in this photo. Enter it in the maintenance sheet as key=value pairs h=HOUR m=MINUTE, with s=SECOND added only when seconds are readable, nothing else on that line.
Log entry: h=6 m=59
